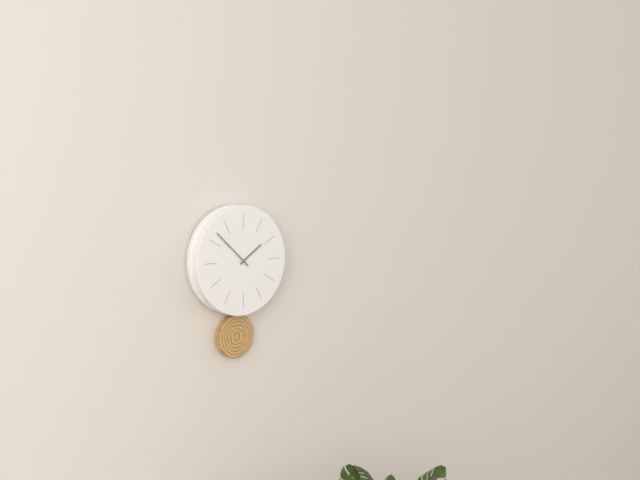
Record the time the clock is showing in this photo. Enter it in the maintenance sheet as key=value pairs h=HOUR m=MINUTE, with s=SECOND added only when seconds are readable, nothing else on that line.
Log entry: h=1 m=52
